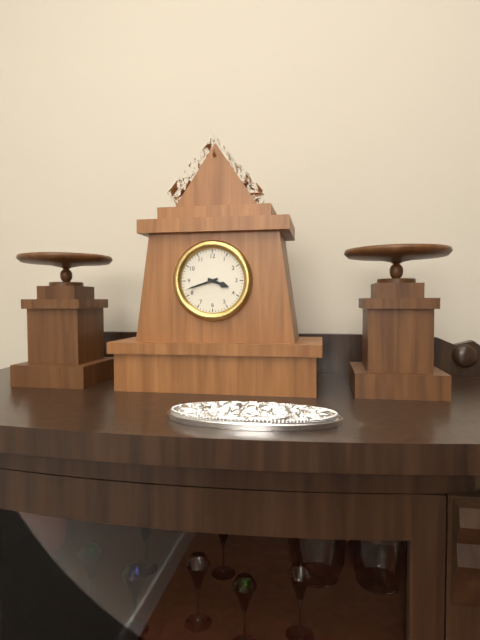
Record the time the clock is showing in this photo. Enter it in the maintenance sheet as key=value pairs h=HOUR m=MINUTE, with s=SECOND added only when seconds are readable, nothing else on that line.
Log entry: h=3 m=42
